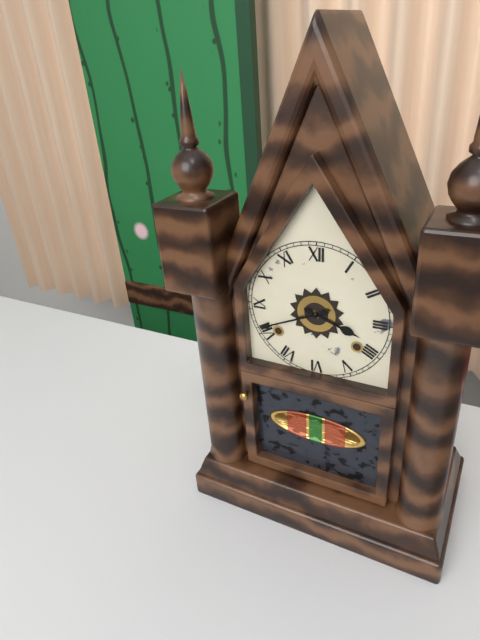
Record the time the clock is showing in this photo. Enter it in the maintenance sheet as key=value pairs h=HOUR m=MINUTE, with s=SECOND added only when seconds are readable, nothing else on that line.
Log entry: h=3 m=41
